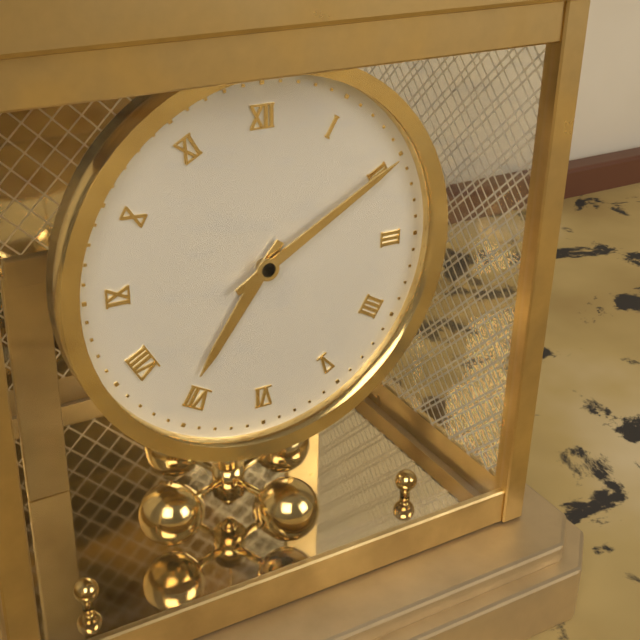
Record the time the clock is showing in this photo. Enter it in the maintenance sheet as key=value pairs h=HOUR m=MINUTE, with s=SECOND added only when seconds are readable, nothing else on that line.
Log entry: h=7 m=10
